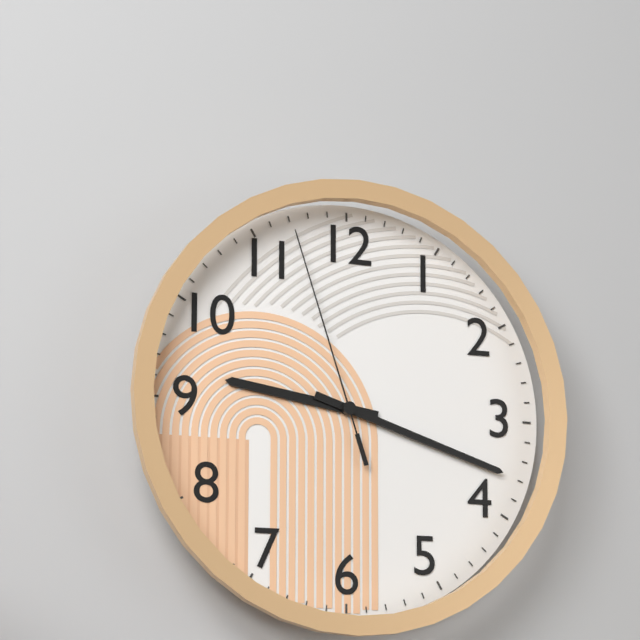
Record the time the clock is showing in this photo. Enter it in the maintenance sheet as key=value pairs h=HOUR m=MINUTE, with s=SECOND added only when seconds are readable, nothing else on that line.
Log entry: h=9 m=18 s=57
